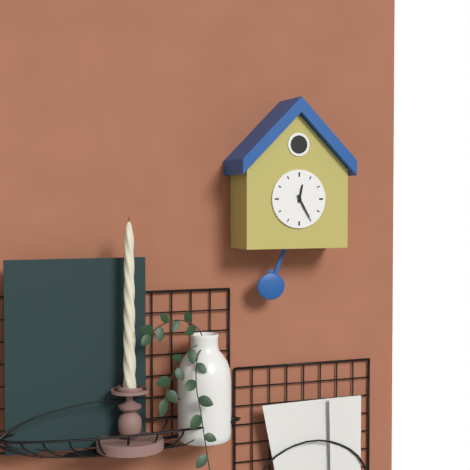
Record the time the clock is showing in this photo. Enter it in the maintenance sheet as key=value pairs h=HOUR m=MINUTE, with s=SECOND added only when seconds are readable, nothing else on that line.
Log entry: h=12 m=25
